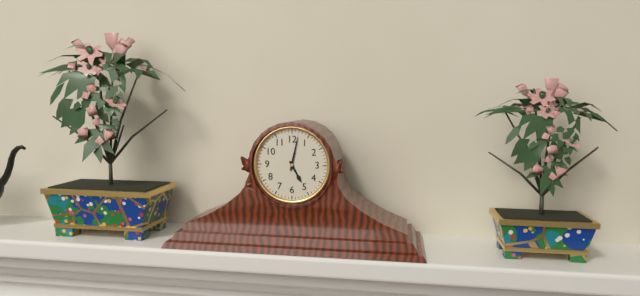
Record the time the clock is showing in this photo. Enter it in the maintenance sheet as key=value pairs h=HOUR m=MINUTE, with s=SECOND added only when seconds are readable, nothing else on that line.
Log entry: h=5 m=2
